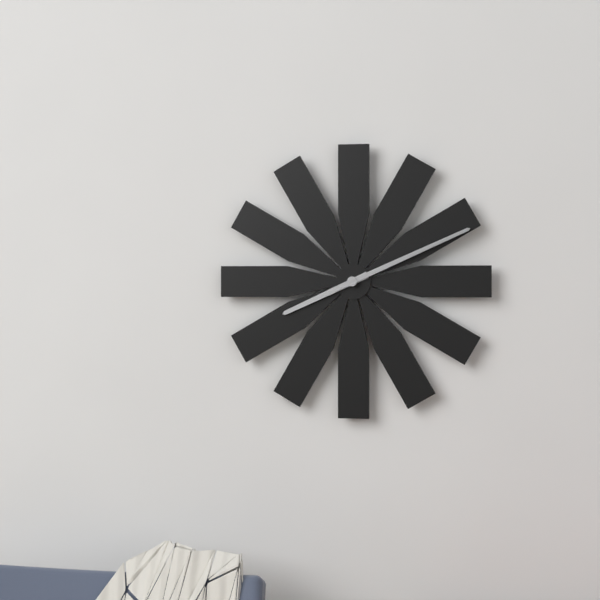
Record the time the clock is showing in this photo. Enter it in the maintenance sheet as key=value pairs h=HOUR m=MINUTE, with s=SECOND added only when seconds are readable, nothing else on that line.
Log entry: h=8 m=11
